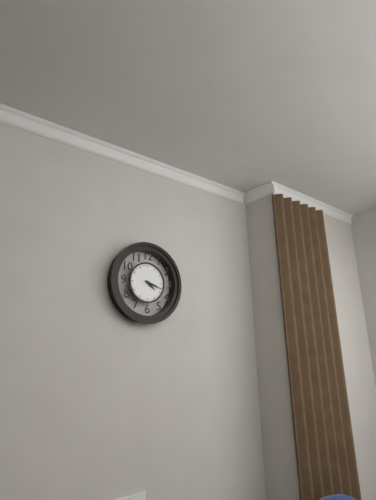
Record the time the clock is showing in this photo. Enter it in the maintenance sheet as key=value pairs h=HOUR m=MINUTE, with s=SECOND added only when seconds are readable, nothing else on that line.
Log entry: h=4 m=18
